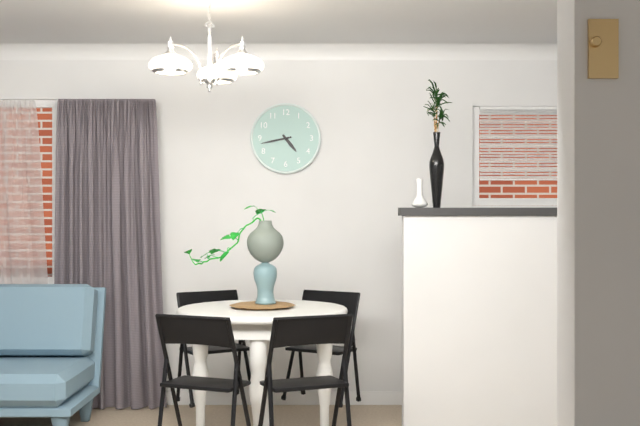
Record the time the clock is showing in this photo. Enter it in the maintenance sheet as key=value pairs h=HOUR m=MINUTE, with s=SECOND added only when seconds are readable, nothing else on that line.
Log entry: h=4 m=43
